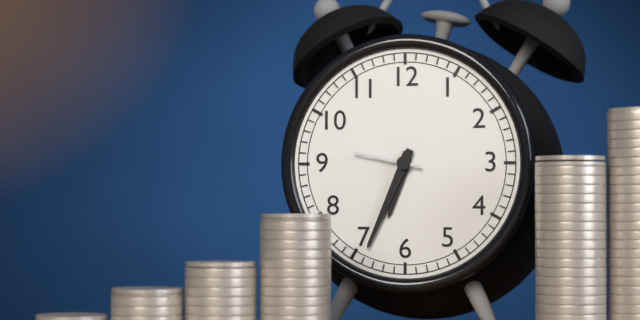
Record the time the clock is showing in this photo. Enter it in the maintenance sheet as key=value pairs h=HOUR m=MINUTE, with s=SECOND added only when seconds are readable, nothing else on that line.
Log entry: h=6 m=34 s=47
